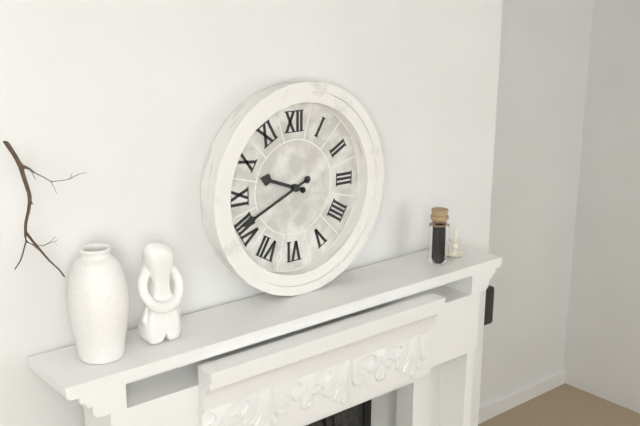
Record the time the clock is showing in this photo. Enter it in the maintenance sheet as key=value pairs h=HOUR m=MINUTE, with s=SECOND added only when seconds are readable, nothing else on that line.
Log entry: h=9 m=41
